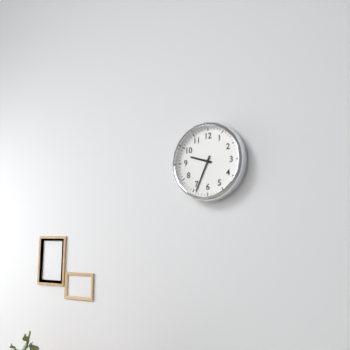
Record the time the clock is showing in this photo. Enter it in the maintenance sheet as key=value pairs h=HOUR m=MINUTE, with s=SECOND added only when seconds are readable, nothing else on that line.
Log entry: h=9 m=34
